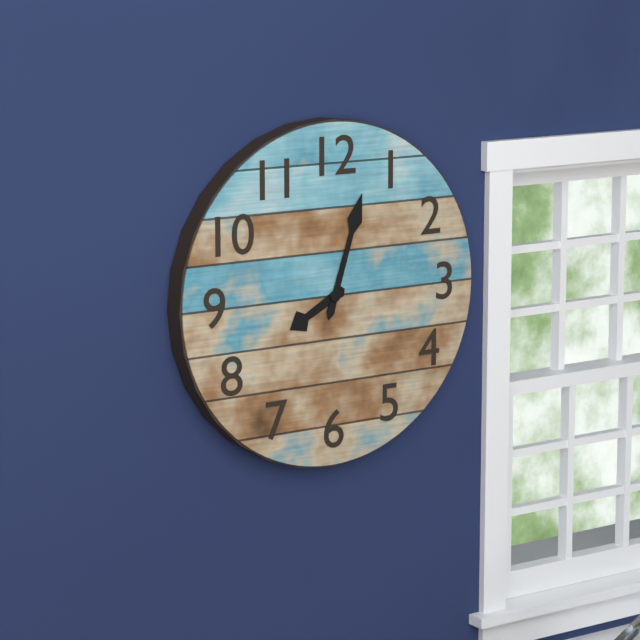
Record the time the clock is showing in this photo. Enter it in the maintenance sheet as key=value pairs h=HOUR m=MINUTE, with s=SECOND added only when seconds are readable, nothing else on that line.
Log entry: h=8 m=3
